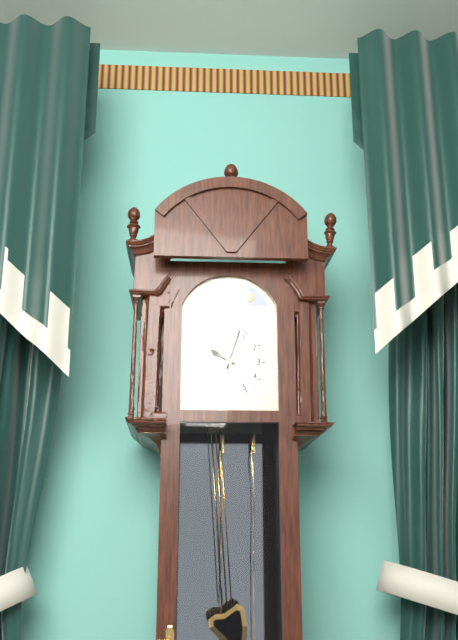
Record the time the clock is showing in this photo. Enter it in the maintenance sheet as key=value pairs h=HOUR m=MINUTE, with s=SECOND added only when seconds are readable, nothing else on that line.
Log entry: h=10 m=3
